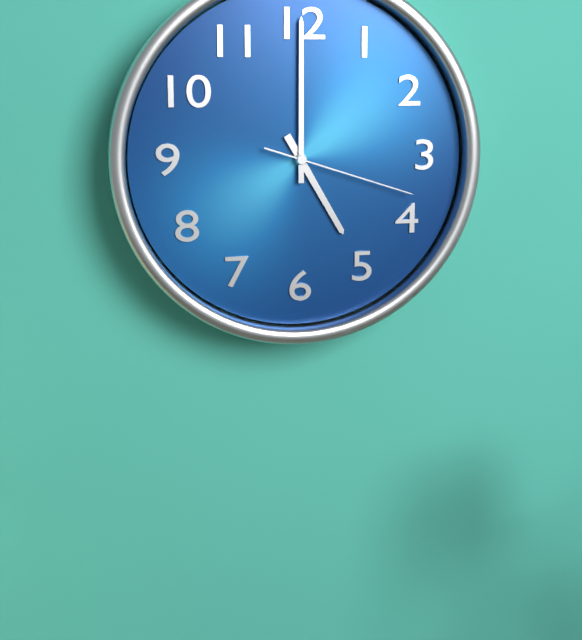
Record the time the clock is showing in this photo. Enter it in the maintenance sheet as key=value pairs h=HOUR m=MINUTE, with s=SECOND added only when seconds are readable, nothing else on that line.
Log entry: h=5 m=0 s=18
